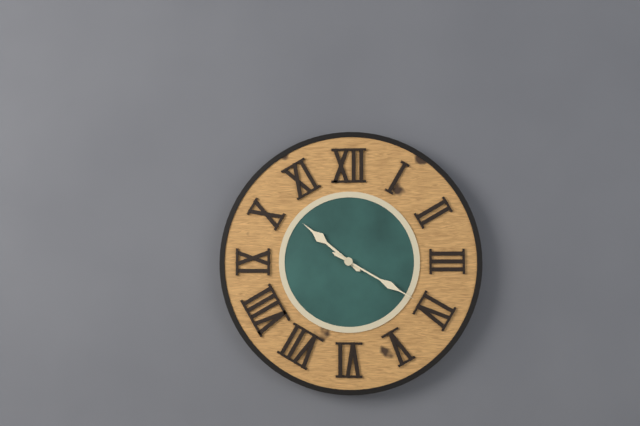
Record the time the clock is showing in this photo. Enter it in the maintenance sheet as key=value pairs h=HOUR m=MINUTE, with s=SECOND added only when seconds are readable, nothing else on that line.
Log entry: h=10 m=20
